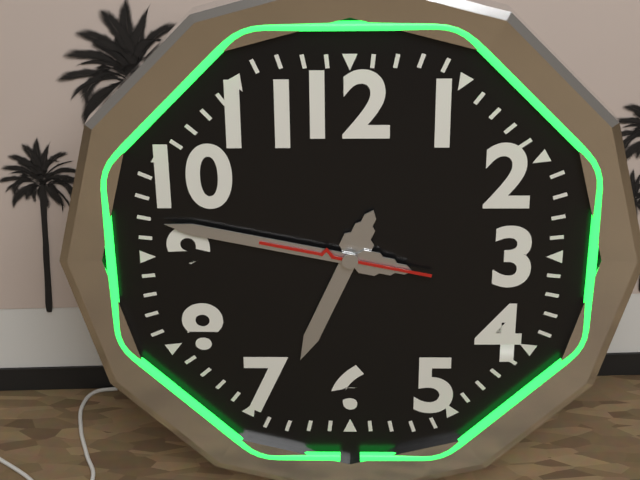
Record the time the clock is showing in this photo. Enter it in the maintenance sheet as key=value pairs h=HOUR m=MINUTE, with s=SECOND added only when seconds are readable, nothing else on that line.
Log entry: h=6 m=47 s=47
